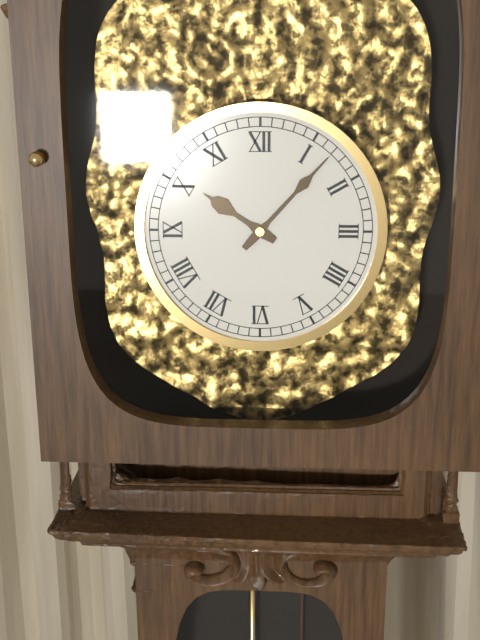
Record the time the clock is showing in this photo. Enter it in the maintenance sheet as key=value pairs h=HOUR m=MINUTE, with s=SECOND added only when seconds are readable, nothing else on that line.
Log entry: h=10 m=7
